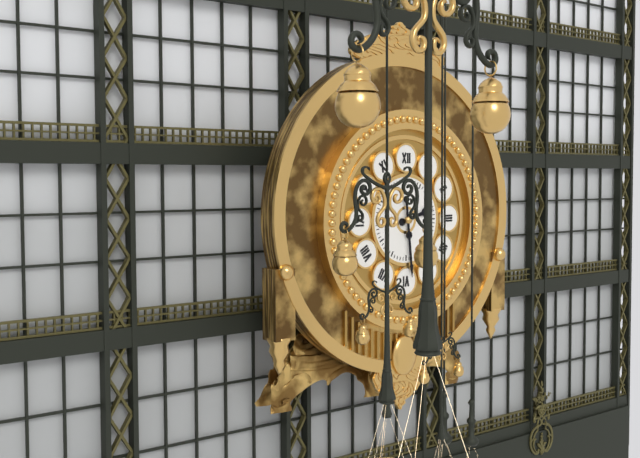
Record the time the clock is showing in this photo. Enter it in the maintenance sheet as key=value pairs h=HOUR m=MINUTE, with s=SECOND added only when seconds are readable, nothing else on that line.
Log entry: h=2 m=29
